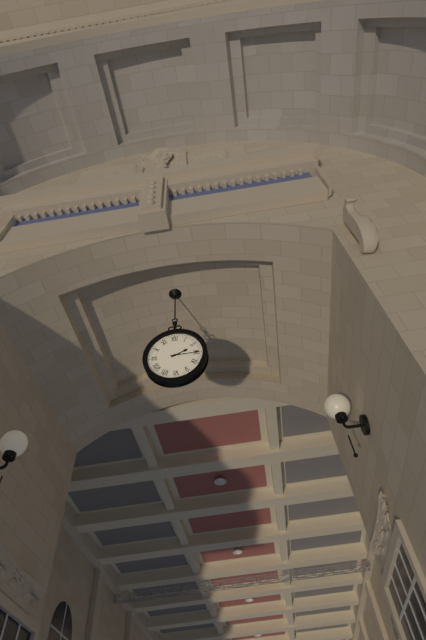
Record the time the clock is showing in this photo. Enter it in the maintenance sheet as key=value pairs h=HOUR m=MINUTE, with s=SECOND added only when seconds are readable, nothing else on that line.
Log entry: h=2 m=15
